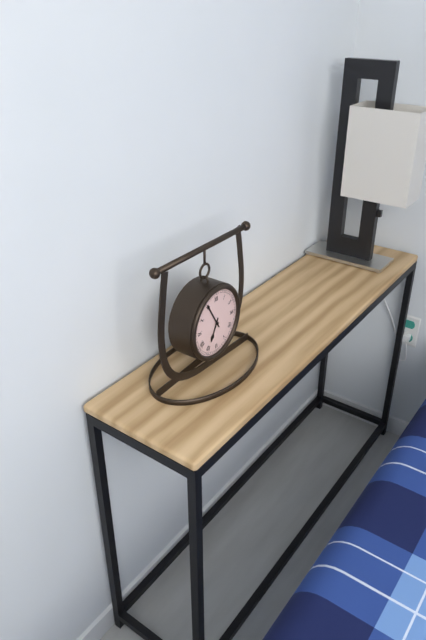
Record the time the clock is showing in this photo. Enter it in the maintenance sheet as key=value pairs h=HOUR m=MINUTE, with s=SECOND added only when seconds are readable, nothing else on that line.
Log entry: h=6 m=55
